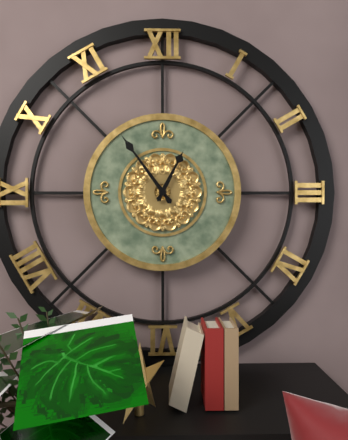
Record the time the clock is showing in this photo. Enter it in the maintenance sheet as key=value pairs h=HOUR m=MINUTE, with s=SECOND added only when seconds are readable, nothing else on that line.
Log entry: h=12 m=54
